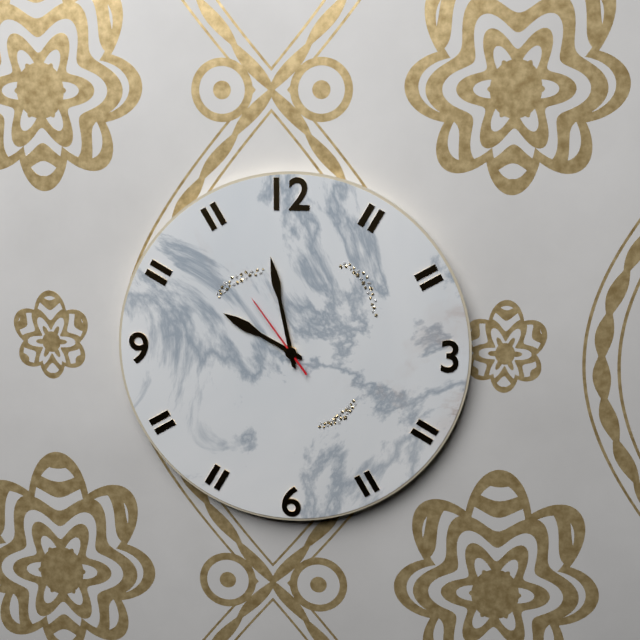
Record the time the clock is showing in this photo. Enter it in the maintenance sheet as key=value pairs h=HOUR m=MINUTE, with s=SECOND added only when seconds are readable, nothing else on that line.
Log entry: h=9 m=58 s=54
